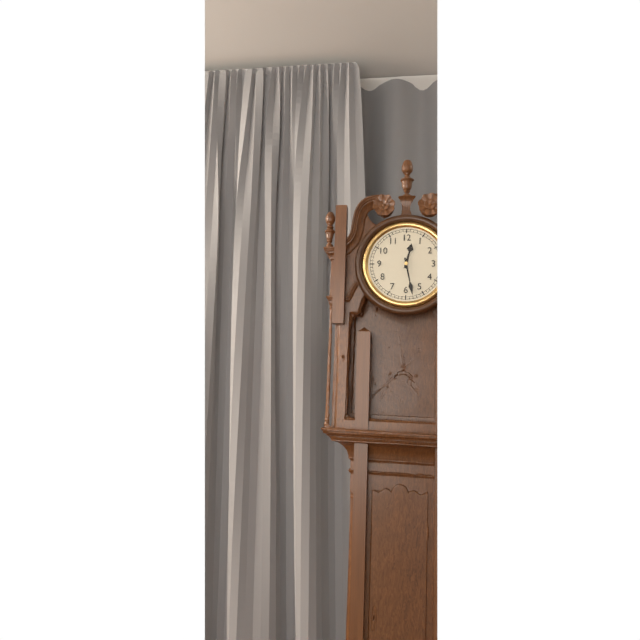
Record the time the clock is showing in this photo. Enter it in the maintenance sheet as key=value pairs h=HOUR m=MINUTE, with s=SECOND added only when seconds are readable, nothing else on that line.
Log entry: h=12 m=28
